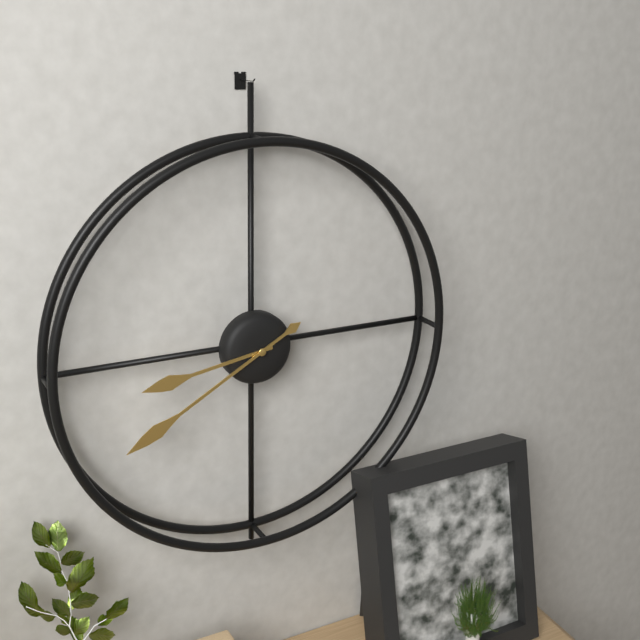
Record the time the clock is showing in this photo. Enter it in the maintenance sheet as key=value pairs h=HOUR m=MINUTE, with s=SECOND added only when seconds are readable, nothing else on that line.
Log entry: h=8 m=40
